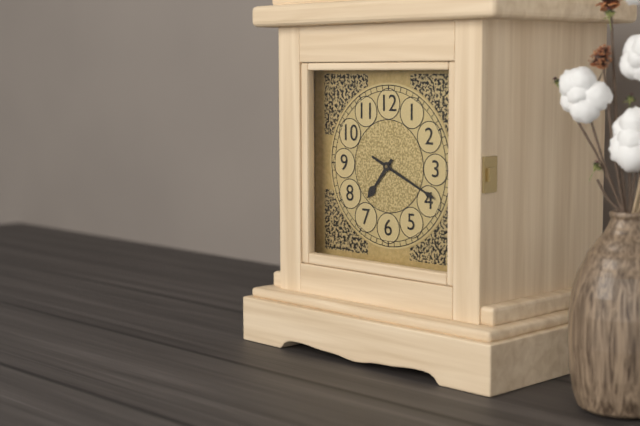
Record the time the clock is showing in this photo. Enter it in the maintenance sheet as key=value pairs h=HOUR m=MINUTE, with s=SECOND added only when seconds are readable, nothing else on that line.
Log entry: h=7 m=19
